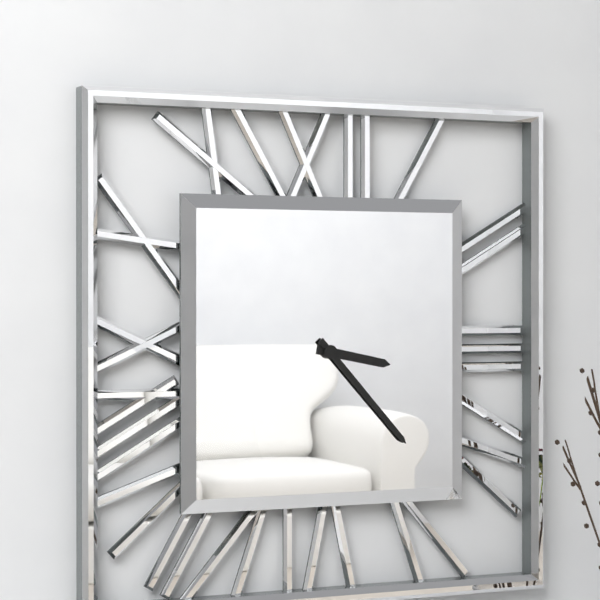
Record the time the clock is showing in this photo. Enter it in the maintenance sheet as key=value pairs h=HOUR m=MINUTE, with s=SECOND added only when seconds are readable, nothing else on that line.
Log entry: h=3 m=23
